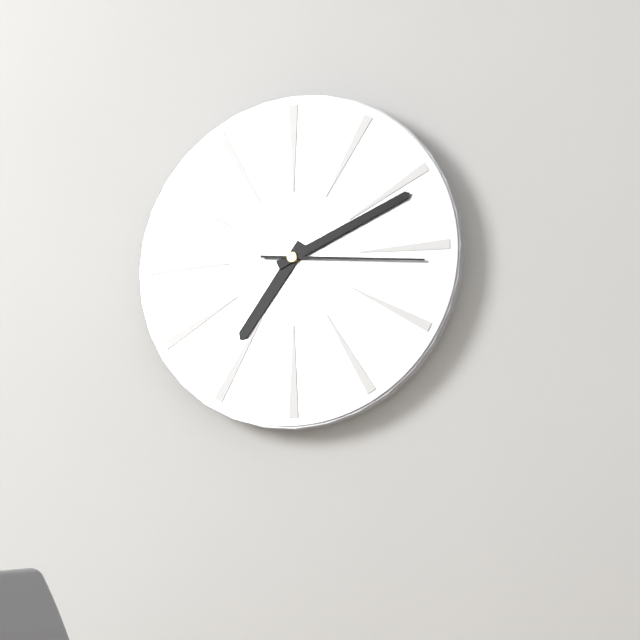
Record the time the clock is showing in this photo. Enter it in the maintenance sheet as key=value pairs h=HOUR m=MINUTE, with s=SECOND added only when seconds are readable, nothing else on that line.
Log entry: h=7 m=11 s=16
